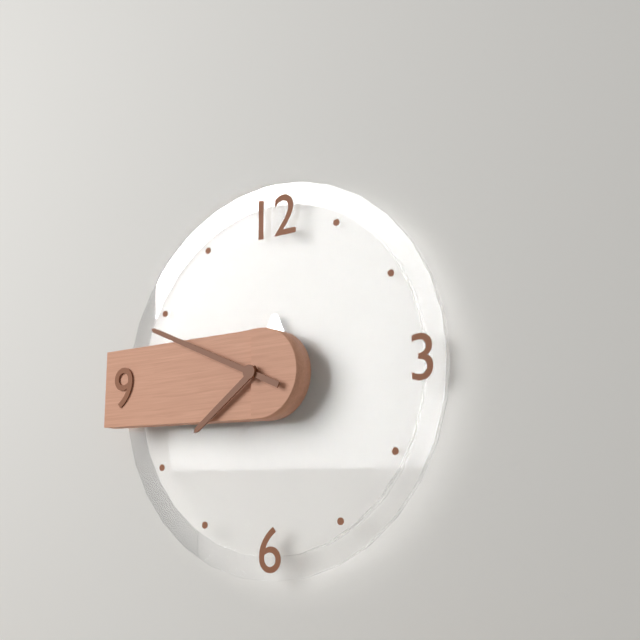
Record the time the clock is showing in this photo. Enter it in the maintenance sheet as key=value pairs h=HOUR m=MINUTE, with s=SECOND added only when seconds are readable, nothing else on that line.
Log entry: h=7 m=49
